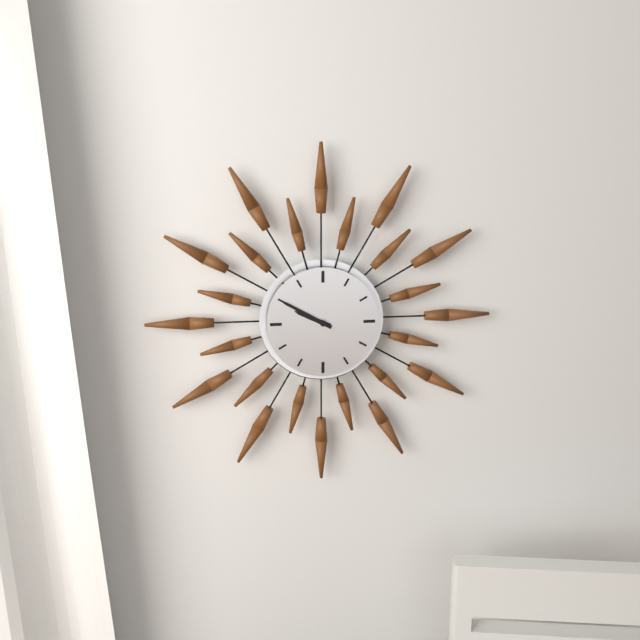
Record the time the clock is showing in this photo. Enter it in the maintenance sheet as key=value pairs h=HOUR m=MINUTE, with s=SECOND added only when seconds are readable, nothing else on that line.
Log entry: h=9 m=50
